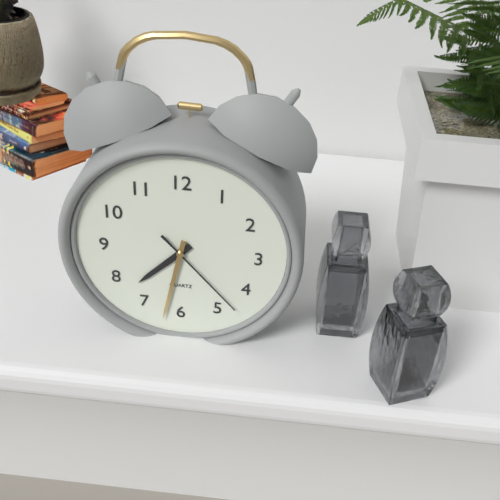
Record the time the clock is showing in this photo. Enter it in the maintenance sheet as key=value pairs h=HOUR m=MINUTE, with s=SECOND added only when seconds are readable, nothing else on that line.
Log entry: h=7 m=32 s=23
